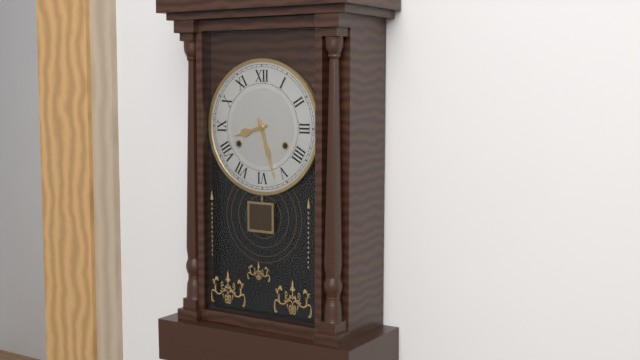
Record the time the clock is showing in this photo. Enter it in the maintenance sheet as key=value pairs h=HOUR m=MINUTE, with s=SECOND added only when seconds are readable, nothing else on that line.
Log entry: h=8 m=27
